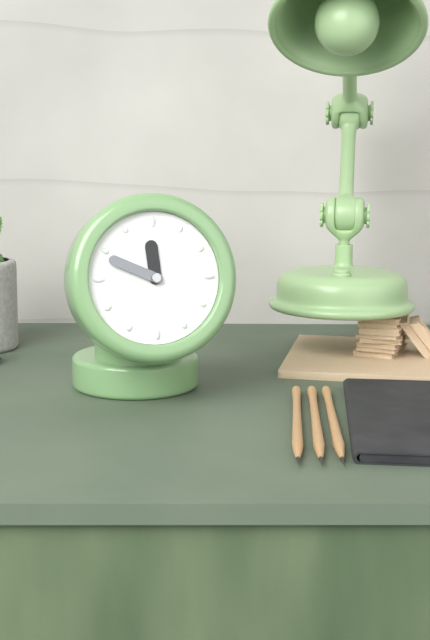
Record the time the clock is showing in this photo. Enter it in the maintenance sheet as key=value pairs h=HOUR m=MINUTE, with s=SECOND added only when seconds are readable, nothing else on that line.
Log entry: h=11 m=49
